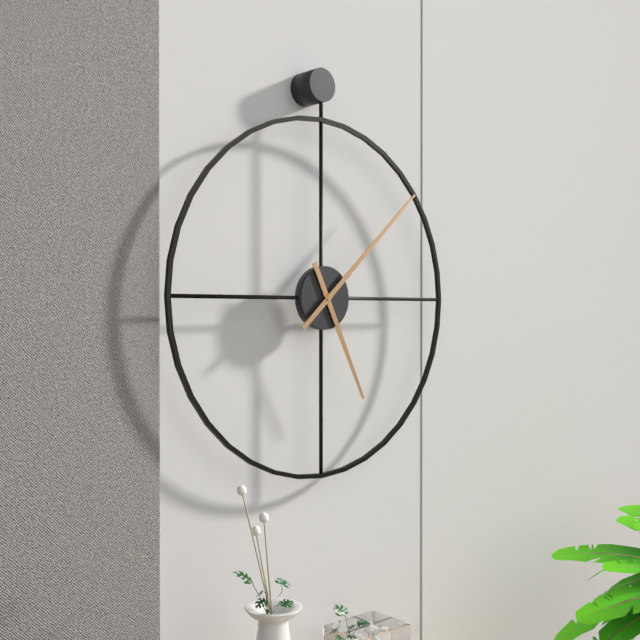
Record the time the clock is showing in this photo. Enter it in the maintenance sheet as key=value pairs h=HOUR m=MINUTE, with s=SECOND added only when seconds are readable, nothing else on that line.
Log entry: h=5 m=8
